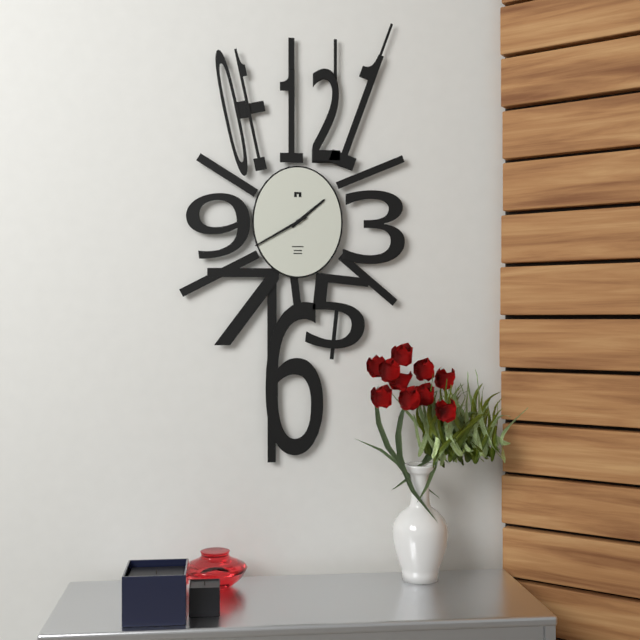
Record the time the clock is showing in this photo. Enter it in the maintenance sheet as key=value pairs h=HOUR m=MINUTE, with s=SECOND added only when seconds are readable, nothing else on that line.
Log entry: h=1 m=40
